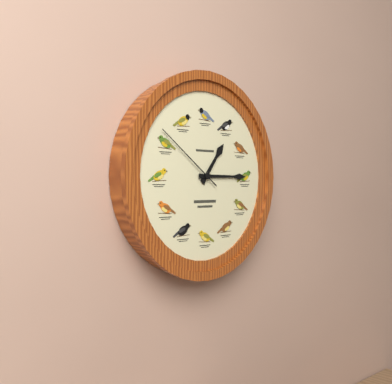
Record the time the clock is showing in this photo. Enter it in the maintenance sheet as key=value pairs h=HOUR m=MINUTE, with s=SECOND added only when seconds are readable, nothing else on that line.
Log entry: h=1 m=15 s=51
